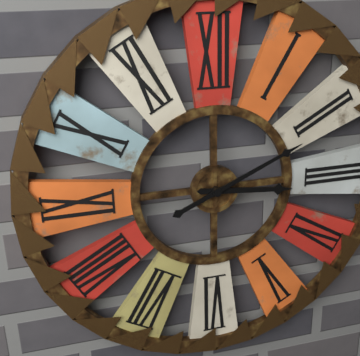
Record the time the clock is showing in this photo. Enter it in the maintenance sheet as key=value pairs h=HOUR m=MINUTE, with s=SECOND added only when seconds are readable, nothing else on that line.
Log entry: h=3 m=11
